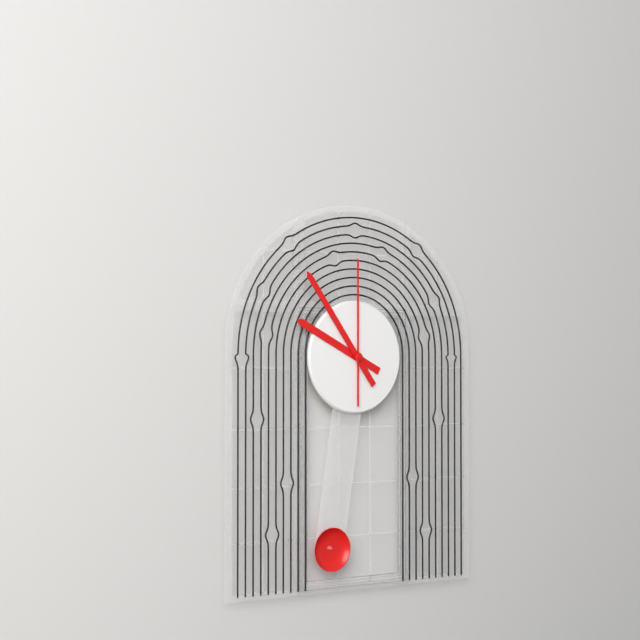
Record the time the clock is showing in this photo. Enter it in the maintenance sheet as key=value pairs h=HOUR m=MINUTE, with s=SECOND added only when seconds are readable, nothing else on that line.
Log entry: h=9 m=54 s=0
